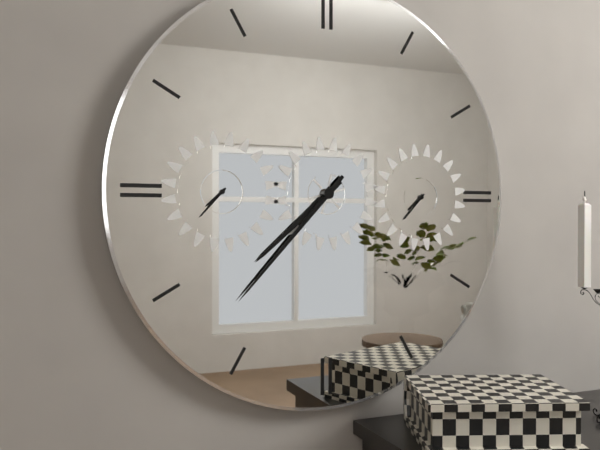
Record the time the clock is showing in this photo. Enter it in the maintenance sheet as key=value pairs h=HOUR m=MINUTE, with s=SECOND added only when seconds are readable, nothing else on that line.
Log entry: h=7 m=37
